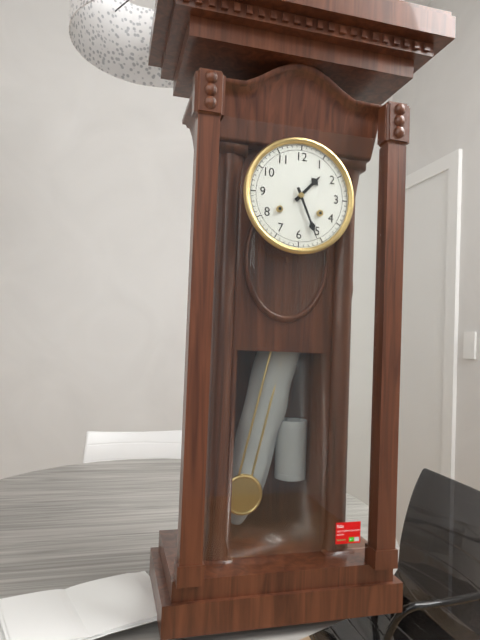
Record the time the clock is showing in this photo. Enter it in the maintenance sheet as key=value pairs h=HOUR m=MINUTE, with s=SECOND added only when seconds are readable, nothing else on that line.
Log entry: h=1 m=26
